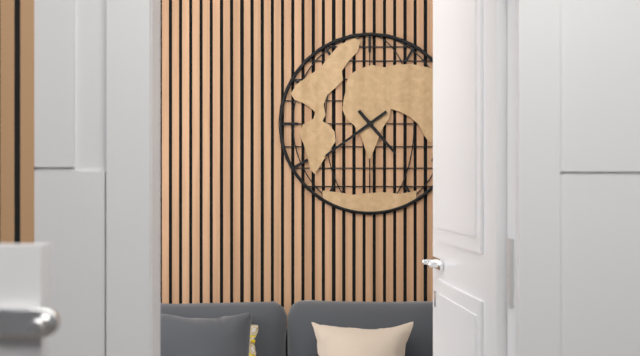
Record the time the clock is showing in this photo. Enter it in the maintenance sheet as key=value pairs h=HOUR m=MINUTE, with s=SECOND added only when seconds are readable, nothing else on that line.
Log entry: h=4 m=39
